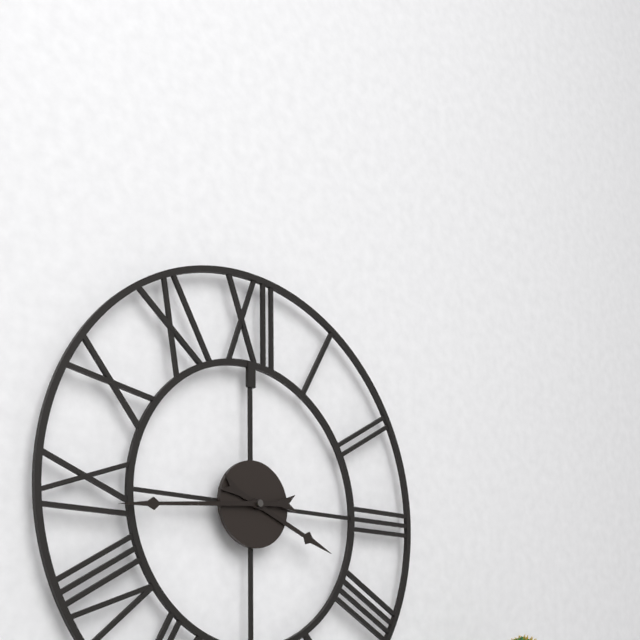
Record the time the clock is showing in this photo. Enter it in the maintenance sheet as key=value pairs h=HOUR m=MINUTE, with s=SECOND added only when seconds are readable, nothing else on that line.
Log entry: h=3 m=44
